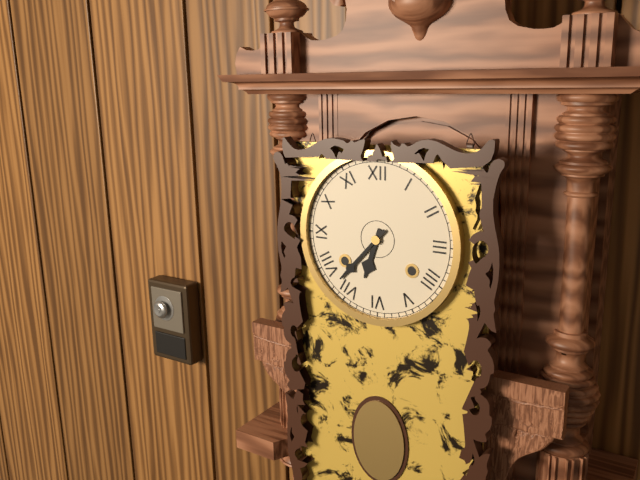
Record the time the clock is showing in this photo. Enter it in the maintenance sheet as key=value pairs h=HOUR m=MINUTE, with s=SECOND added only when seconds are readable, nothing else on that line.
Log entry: h=6 m=37
